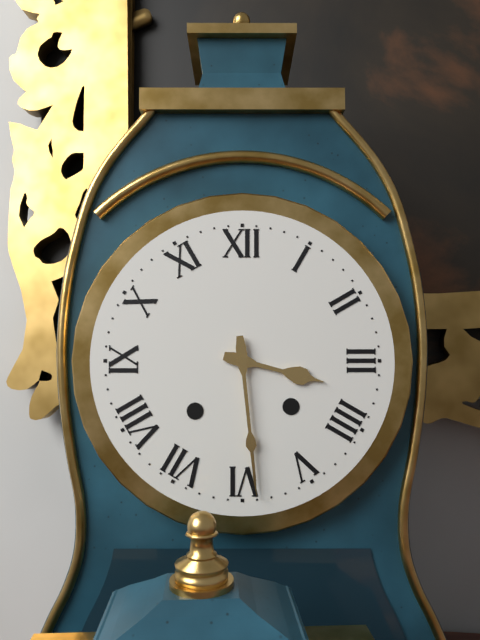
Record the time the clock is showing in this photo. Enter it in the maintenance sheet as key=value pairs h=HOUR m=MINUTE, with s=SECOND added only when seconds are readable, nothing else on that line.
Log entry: h=3 m=29
